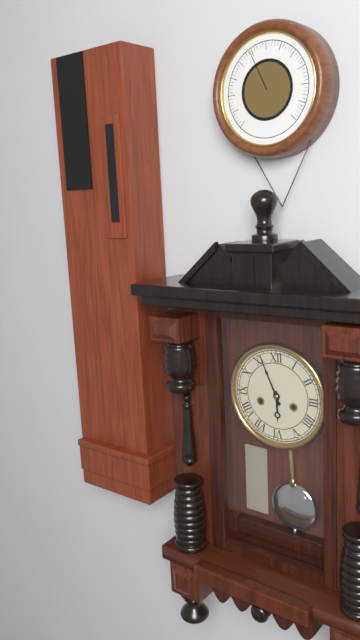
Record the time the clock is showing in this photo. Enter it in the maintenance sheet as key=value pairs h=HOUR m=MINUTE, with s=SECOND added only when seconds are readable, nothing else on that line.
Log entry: h=5 m=56
